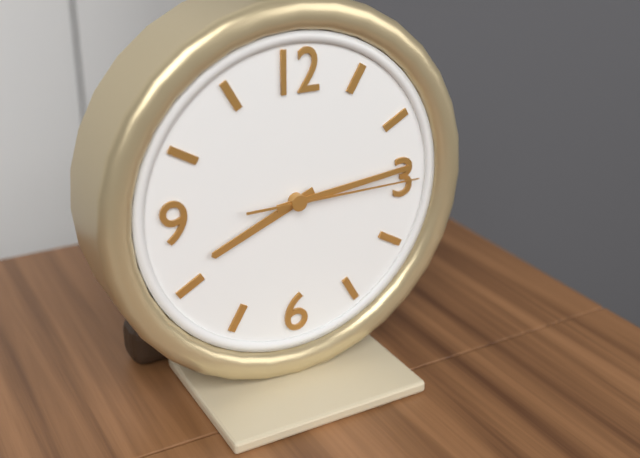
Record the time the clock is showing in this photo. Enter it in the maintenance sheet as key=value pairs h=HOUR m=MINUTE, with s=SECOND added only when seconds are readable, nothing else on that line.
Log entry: h=8 m=14 s=15
